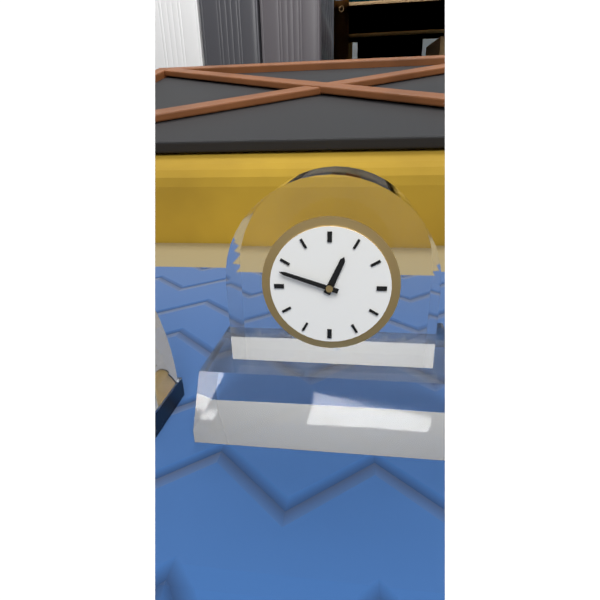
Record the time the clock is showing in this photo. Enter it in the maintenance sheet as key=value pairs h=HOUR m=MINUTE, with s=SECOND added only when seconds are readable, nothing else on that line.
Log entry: h=12 m=48
